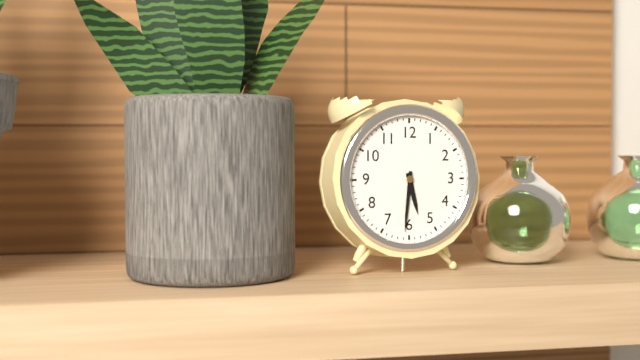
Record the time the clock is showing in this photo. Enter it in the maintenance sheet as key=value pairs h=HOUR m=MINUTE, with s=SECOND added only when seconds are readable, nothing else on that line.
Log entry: h=5 m=31
